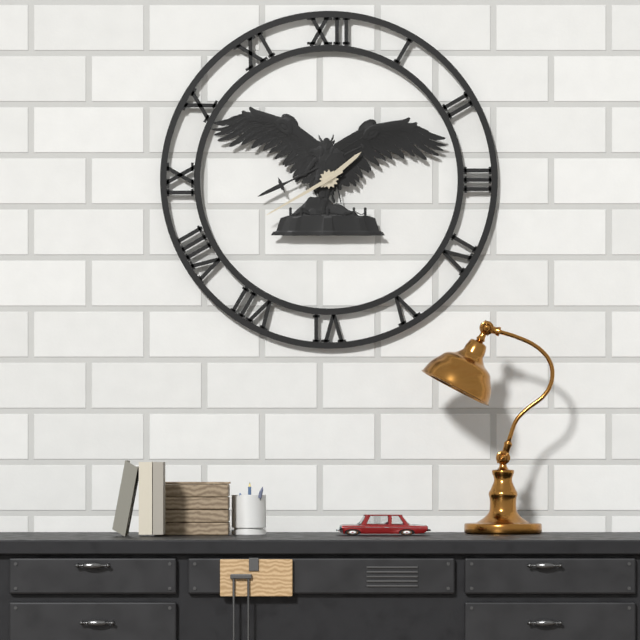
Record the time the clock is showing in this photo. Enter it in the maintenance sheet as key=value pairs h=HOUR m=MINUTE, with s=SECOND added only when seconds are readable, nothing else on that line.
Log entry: h=1 m=40
